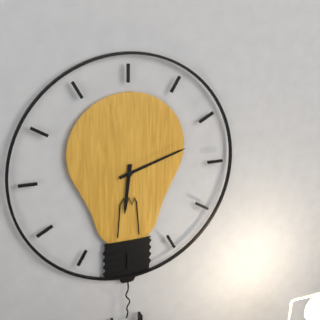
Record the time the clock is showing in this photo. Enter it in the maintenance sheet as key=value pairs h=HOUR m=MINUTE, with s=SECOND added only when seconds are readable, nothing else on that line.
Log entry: h=6 m=12
